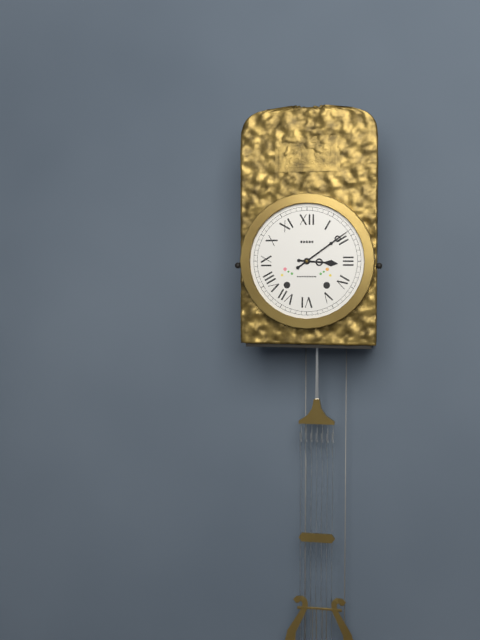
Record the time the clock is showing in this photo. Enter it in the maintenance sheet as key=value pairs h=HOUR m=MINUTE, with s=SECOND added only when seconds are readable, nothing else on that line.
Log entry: h=3 m=9
